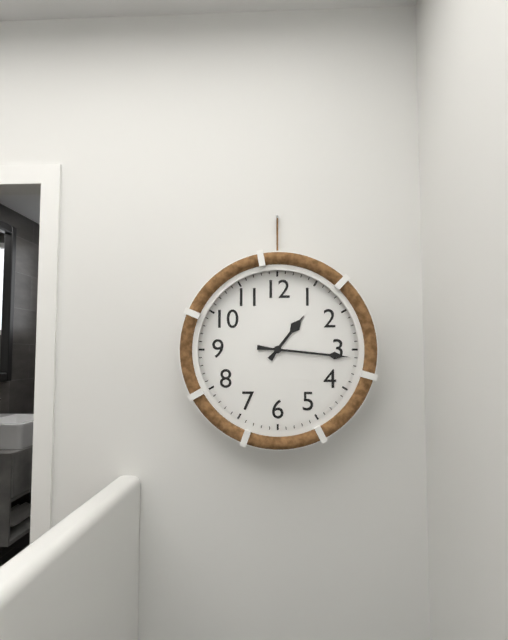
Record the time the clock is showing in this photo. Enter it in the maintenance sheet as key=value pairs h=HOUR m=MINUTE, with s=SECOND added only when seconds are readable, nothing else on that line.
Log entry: h=1 m=16
